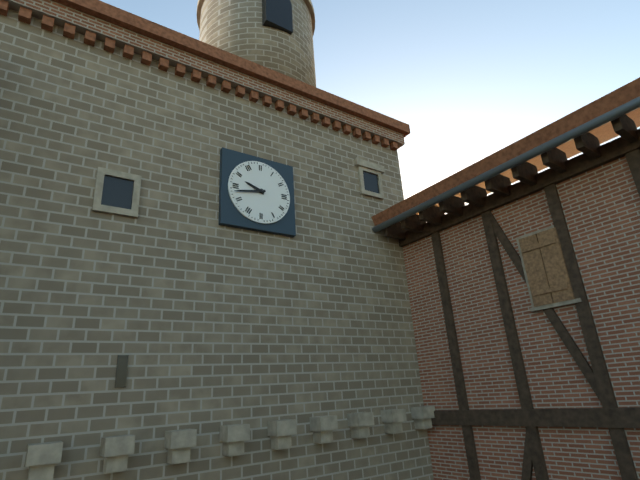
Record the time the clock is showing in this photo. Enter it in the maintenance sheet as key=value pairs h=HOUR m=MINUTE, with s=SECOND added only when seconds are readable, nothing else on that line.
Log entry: h=9 m=43
